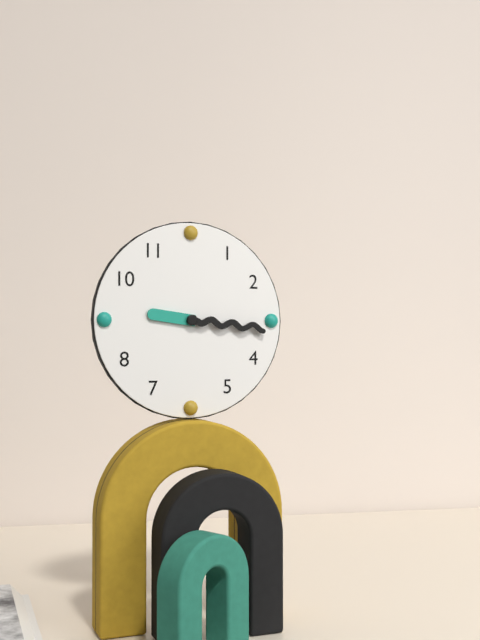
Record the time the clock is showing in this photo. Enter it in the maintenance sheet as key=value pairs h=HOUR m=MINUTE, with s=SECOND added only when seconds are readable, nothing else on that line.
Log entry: h=9 m=16
